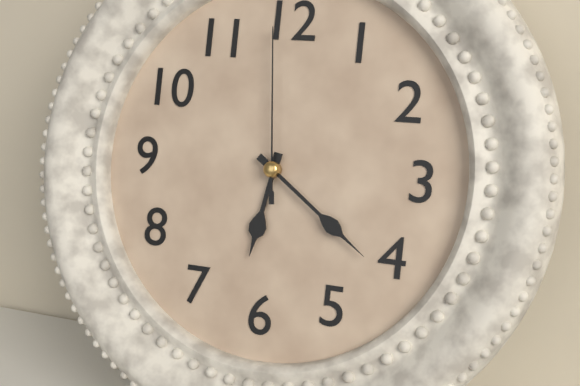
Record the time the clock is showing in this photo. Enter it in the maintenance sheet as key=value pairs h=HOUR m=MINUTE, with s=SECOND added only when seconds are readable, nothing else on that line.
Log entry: h=6 m=21 s=59
